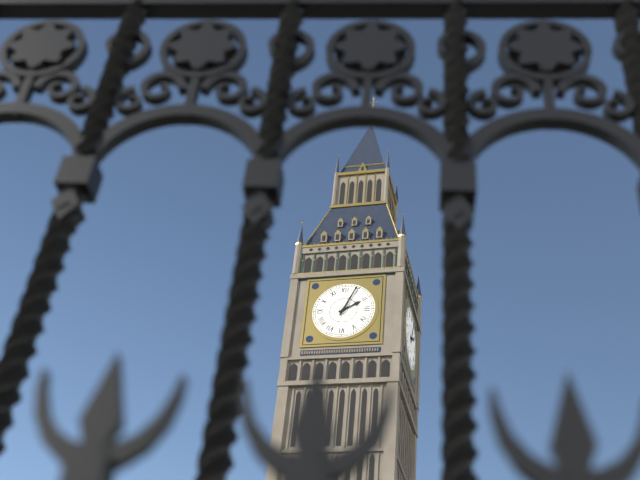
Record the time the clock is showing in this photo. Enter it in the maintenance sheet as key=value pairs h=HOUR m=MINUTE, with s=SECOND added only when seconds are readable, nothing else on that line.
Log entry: h=2 m=4
